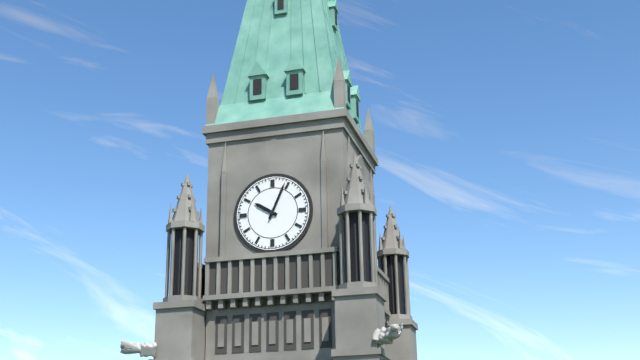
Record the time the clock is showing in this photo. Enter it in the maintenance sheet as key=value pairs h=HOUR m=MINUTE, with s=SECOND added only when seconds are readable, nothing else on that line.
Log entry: h=10 m=4
